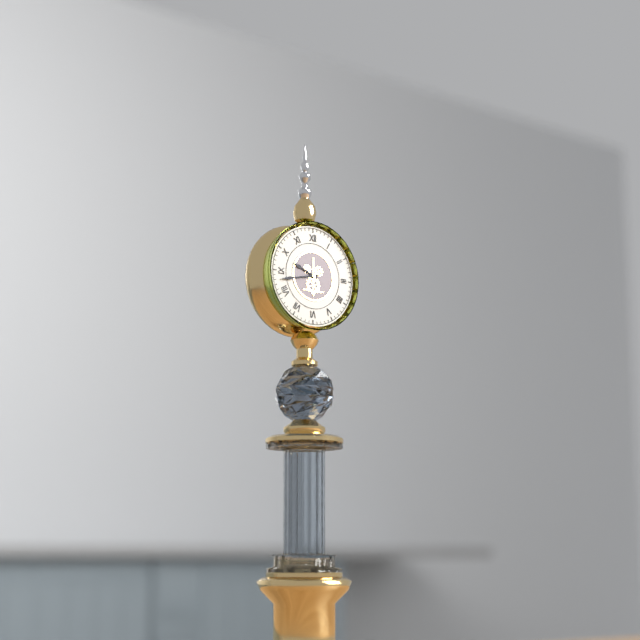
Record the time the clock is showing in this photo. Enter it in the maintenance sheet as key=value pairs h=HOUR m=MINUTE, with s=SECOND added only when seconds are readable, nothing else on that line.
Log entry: h=9 m=43
